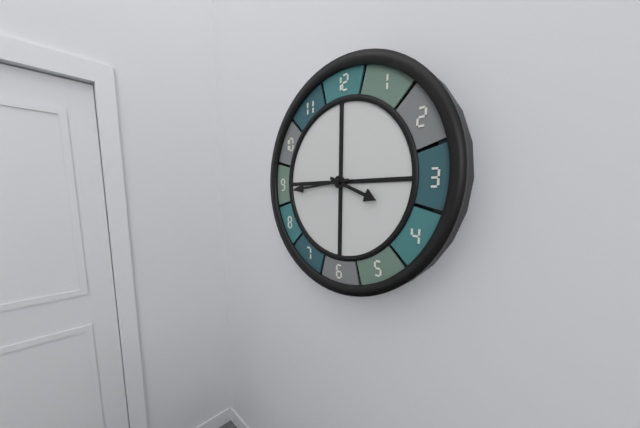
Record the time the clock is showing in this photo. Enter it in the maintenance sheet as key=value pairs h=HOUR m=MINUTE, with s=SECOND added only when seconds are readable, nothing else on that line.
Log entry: h=3 m=44
